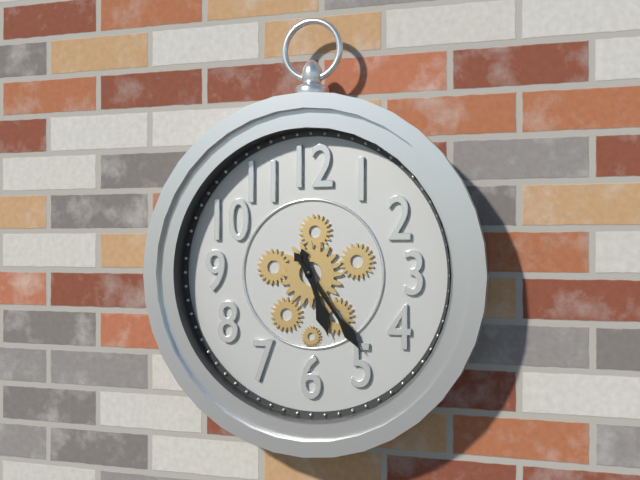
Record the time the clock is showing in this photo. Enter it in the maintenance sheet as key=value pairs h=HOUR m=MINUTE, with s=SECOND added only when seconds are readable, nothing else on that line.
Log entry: h=5 m=24
